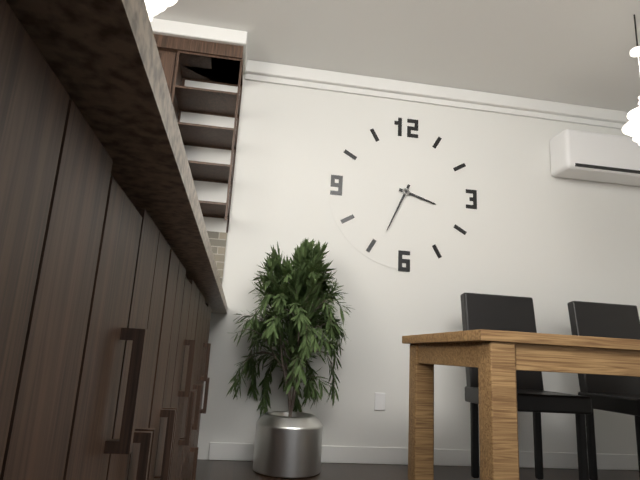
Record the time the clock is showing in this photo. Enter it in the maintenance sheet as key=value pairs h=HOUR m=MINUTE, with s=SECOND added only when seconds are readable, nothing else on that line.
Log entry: h=3 m=34
